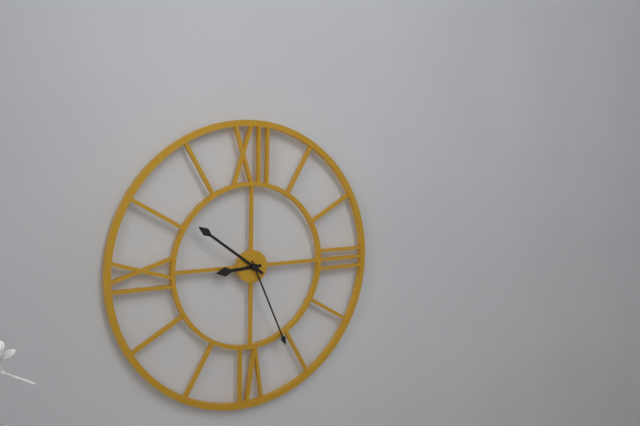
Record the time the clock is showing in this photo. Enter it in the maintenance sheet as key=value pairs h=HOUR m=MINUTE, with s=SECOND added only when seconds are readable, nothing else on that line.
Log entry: h=8 m=51 s=26
